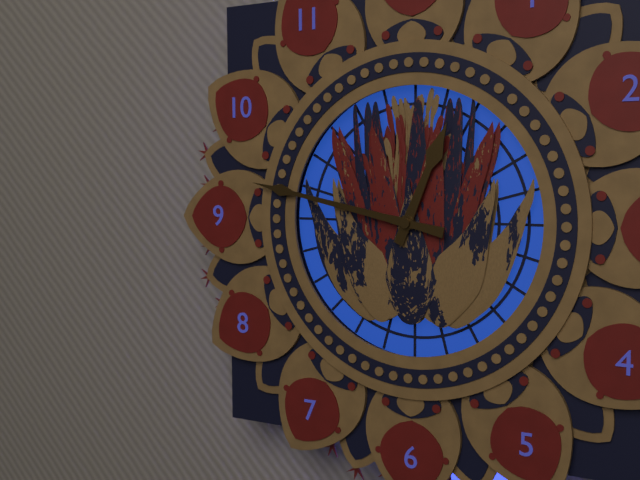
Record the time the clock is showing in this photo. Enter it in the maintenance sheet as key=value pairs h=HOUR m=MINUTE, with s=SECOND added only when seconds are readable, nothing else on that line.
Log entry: h=12 m=47
